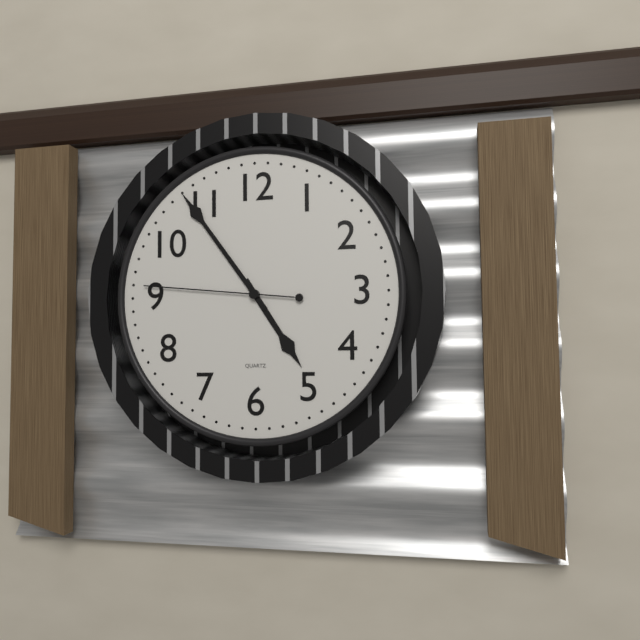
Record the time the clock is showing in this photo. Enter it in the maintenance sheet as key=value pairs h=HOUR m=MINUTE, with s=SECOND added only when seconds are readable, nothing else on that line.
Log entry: h=4 m=54 s=46
